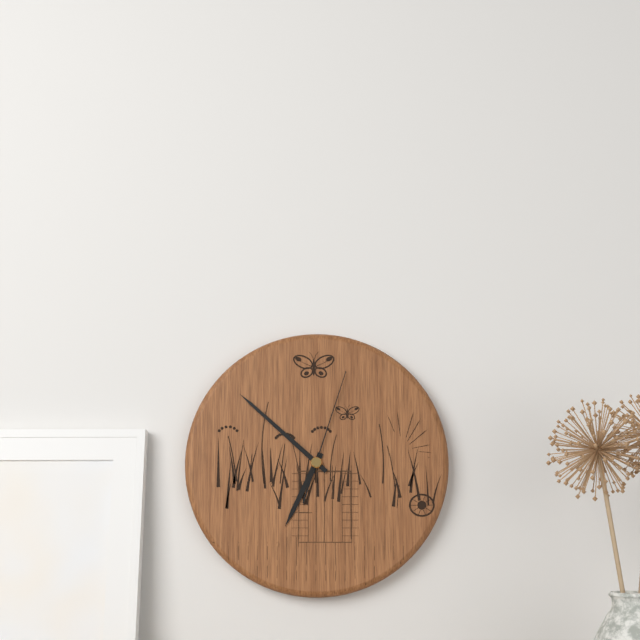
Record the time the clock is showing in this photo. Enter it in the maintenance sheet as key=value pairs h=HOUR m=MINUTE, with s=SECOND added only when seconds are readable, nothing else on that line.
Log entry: h=6 m=52 s=3
